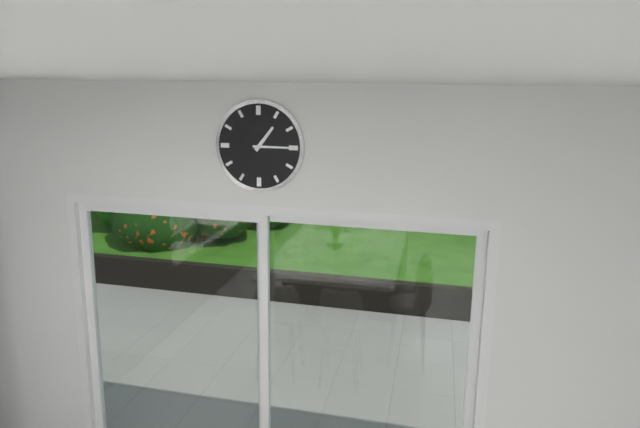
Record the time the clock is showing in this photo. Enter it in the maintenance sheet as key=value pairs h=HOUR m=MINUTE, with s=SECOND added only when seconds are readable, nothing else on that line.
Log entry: h=1 m=15
